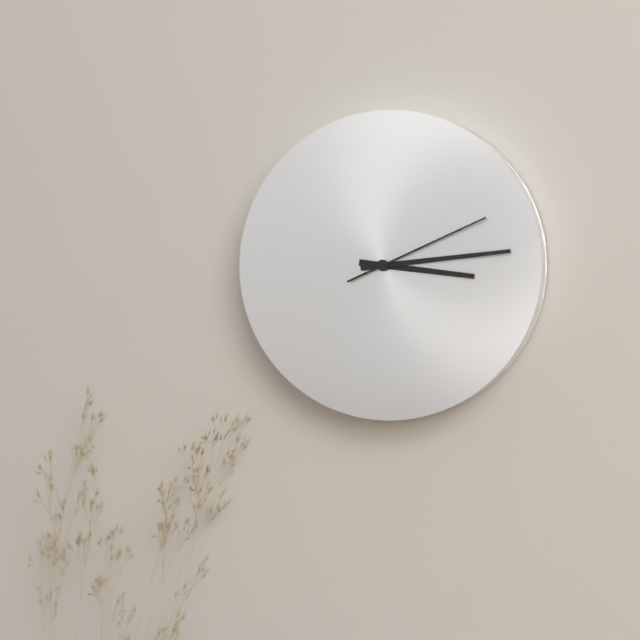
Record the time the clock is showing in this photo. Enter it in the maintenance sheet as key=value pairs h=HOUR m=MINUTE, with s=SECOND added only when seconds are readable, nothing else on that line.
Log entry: h=3 m=14 s=11
